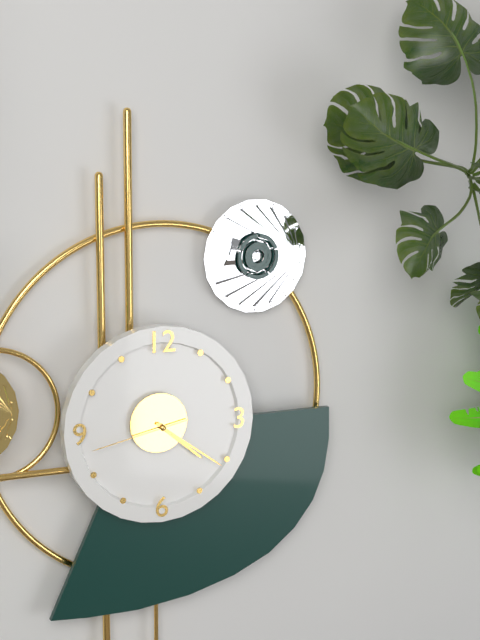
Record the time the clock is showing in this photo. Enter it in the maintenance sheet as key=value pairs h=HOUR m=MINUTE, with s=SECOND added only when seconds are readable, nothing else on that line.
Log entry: h=4 m=21 s=43
